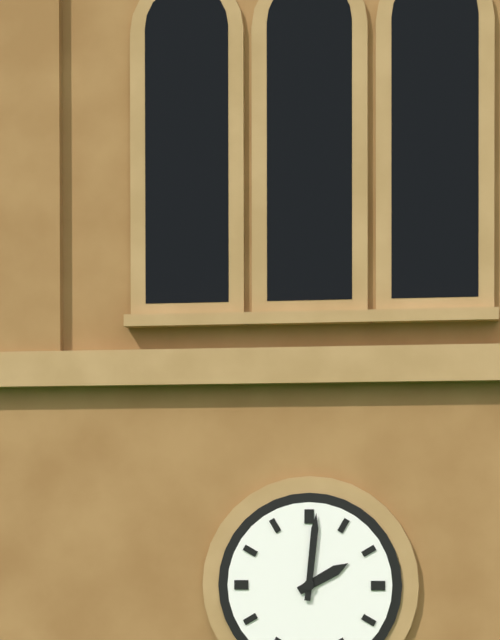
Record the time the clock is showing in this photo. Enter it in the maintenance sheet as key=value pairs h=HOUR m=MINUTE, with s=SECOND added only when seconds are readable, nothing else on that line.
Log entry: h=2 m=1
